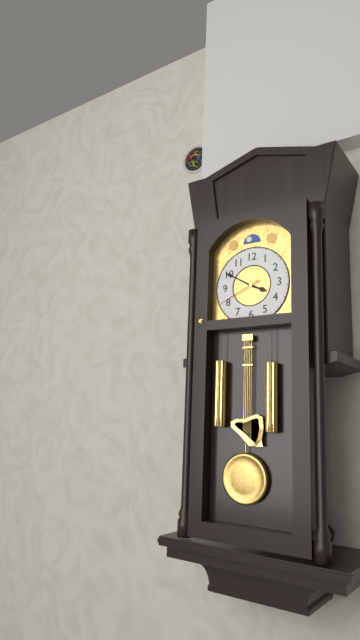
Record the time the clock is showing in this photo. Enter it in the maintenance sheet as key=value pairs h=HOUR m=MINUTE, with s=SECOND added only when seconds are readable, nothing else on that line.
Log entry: h=3 m=50
